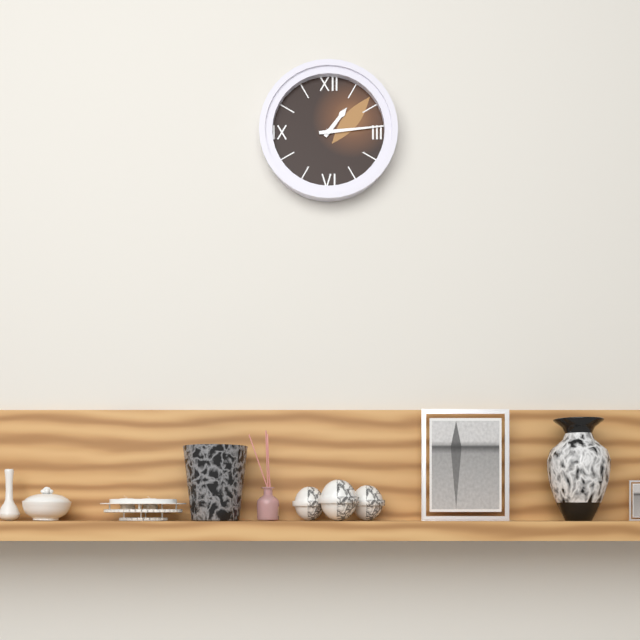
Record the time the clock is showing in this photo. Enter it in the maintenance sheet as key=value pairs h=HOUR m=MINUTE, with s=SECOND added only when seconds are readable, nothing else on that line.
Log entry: h=1 m=14
